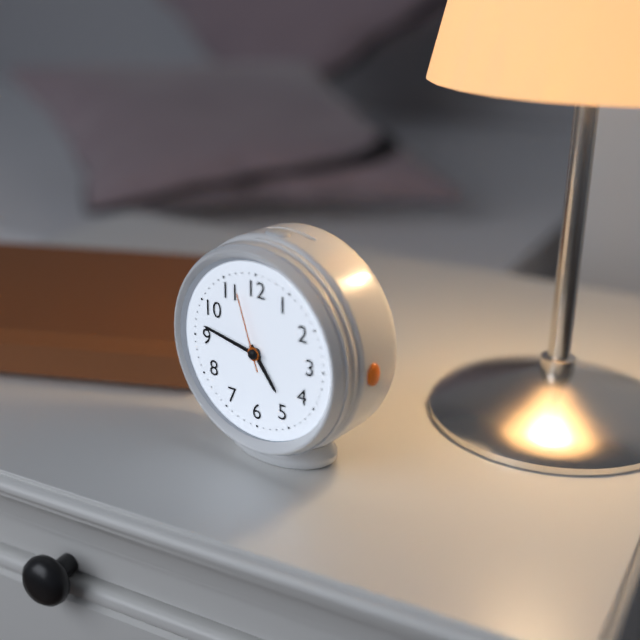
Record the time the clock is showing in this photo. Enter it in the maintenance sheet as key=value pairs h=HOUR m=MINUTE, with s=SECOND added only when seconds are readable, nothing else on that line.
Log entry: h=4 m=47 s=57
